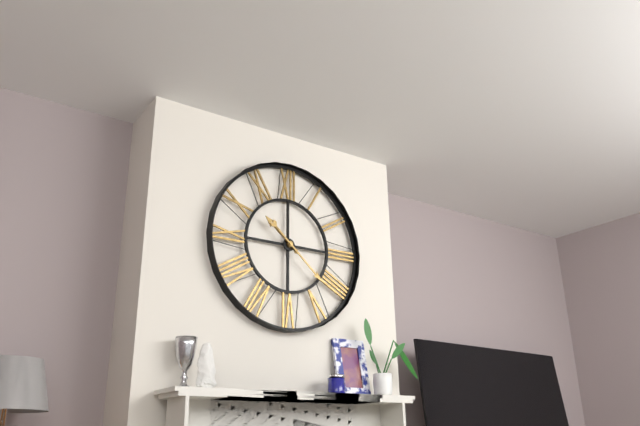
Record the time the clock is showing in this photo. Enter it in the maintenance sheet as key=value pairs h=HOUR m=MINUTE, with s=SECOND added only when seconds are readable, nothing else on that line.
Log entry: h=10 m=22
